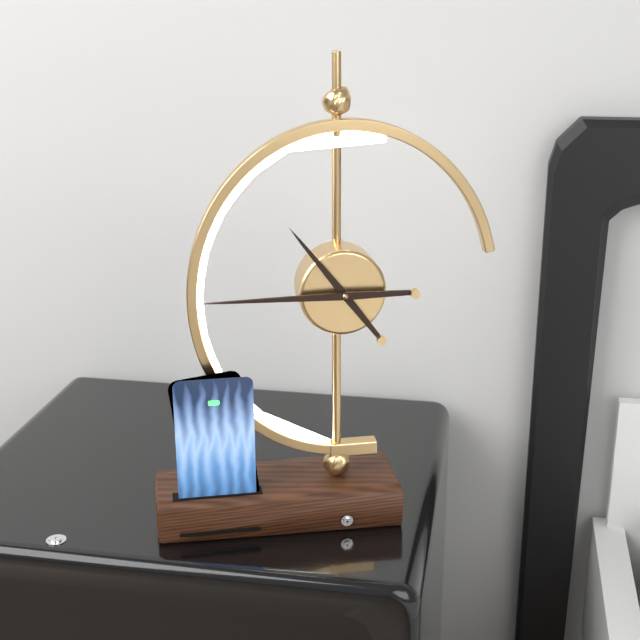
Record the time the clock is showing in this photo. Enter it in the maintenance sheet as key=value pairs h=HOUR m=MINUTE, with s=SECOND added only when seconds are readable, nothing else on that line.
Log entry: h=10 m=45
